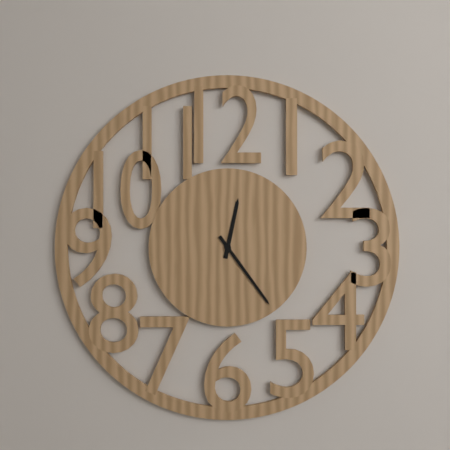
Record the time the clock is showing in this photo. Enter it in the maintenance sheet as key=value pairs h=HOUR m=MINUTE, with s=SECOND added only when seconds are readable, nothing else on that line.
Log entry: h=12 m=24
